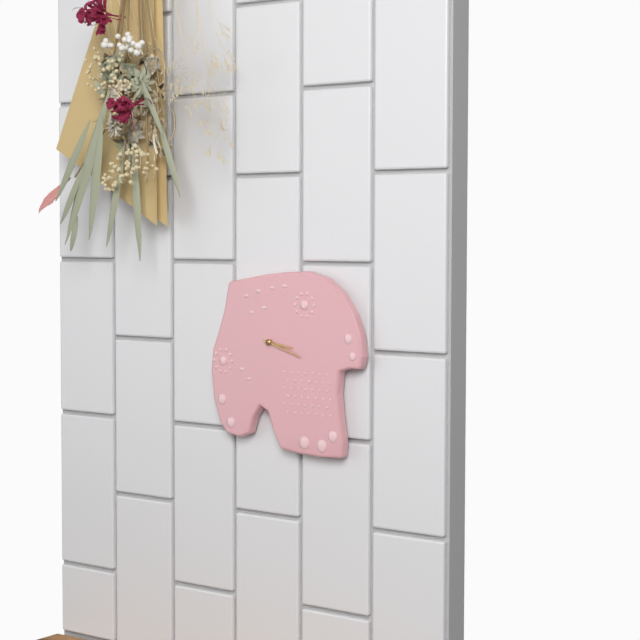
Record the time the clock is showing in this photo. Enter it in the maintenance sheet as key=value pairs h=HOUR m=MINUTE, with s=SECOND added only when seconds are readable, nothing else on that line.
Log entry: h=3 m=18
